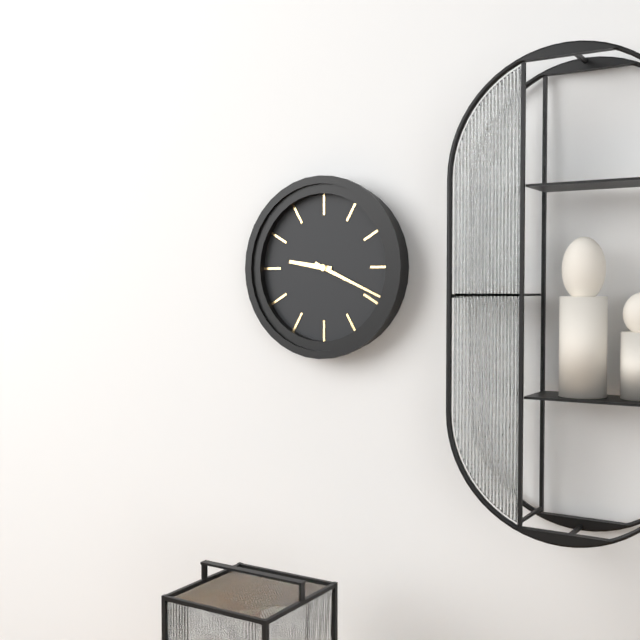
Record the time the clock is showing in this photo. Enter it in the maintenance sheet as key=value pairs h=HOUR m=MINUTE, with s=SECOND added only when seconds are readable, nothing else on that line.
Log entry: h=9 m=19
